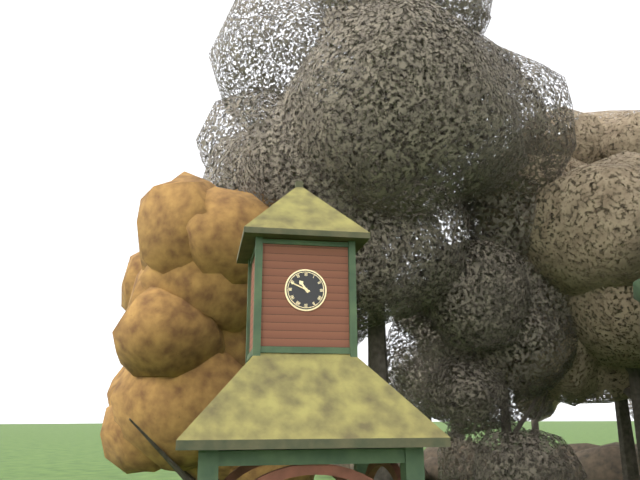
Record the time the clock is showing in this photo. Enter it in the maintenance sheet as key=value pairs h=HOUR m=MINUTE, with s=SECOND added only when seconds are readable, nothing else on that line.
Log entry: h=10 m=49
